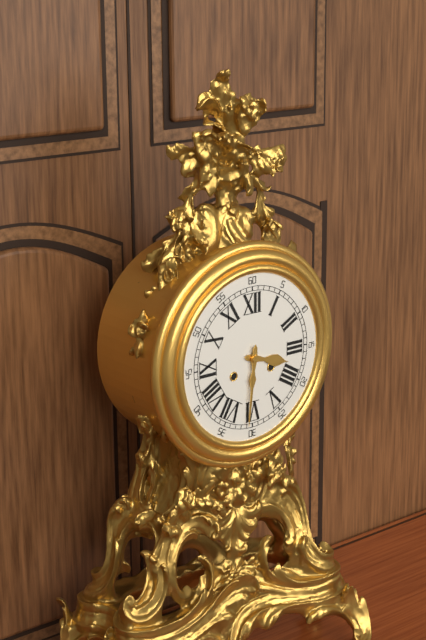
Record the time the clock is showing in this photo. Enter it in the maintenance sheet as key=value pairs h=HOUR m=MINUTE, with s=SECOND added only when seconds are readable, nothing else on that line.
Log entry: h=3 m=31
